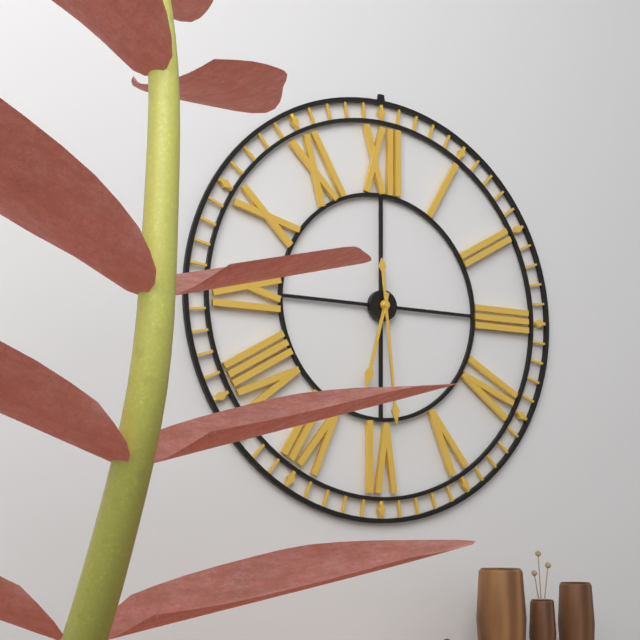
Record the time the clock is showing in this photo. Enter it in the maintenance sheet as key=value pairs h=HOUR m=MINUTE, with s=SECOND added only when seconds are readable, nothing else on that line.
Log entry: h=6 m=29
